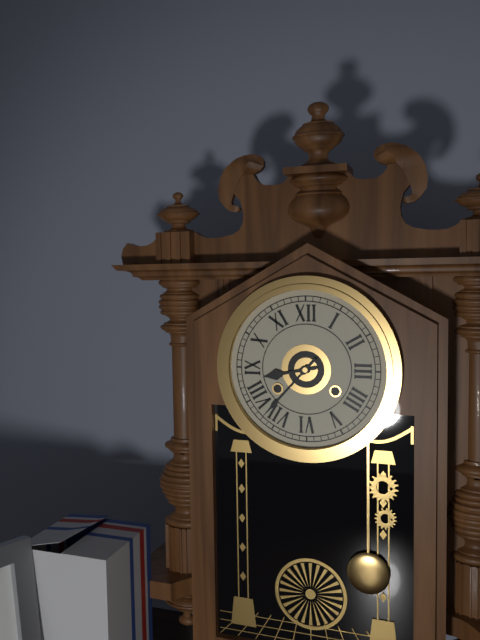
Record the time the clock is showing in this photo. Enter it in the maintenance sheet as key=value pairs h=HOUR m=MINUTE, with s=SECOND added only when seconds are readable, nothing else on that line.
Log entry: h=8 m=37
